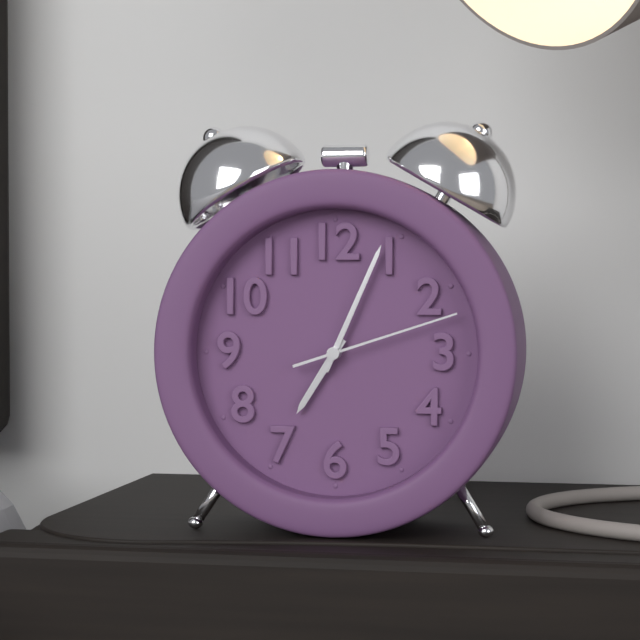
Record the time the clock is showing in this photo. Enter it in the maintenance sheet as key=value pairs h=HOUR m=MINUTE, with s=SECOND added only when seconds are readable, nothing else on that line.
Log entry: h=7 m=4 s=12
